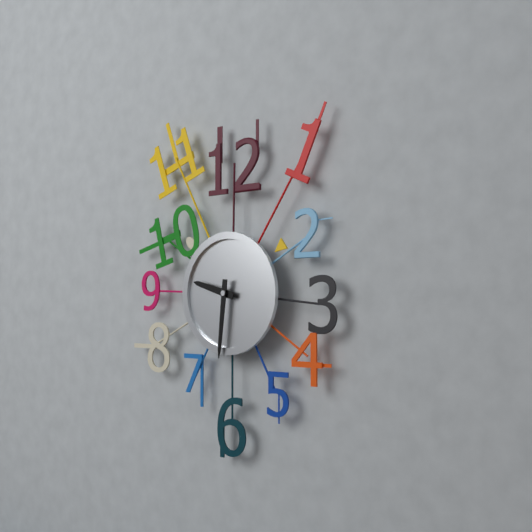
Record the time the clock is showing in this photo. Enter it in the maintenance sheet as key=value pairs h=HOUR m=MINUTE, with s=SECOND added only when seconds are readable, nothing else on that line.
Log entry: h=9 m=31
